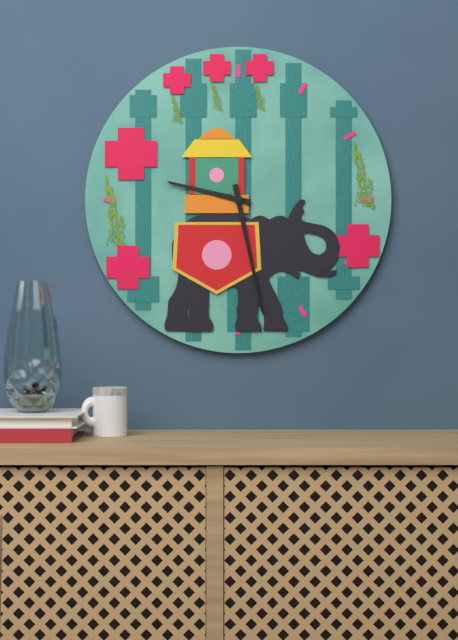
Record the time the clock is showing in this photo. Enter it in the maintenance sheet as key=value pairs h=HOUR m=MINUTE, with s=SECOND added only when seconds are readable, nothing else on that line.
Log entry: h=9 m=28
